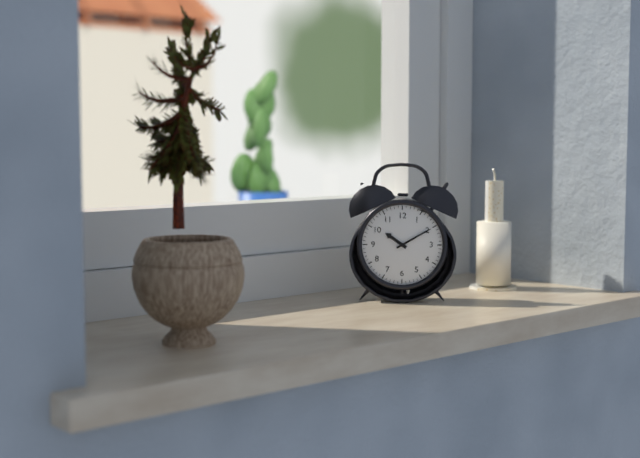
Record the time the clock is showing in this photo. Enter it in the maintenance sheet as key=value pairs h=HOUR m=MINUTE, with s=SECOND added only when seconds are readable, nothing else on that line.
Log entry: h=10 m=10
